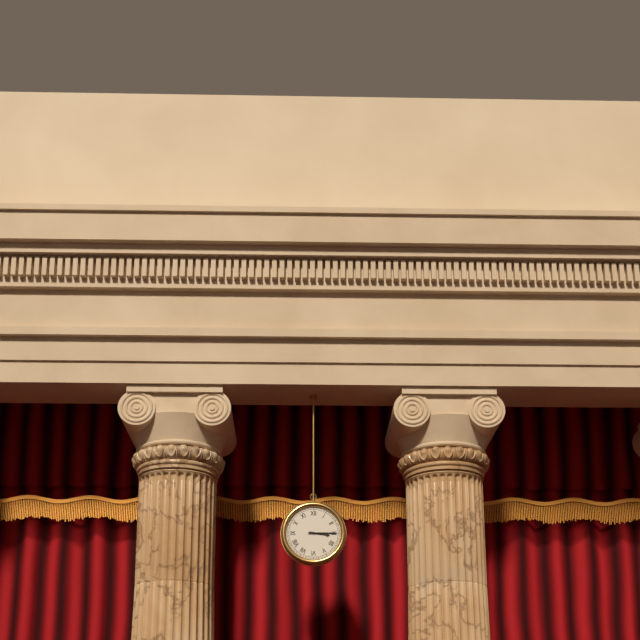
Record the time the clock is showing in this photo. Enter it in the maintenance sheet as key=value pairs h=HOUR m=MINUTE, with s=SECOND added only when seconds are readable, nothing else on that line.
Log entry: h=3 m=15
